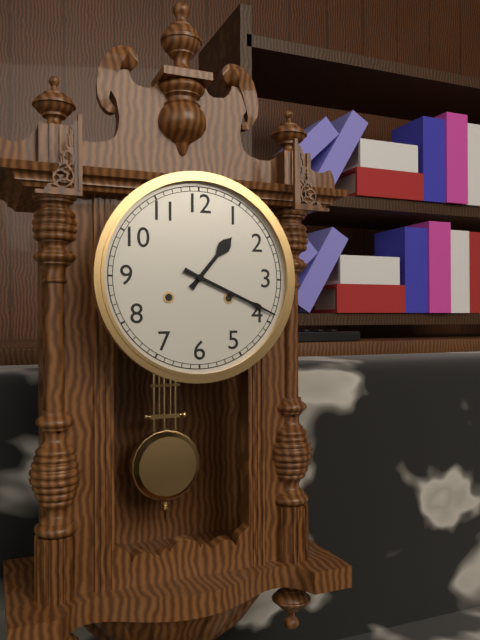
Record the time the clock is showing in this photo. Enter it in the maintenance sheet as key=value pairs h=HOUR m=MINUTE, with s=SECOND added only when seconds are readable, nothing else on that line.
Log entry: h=1 m=19
